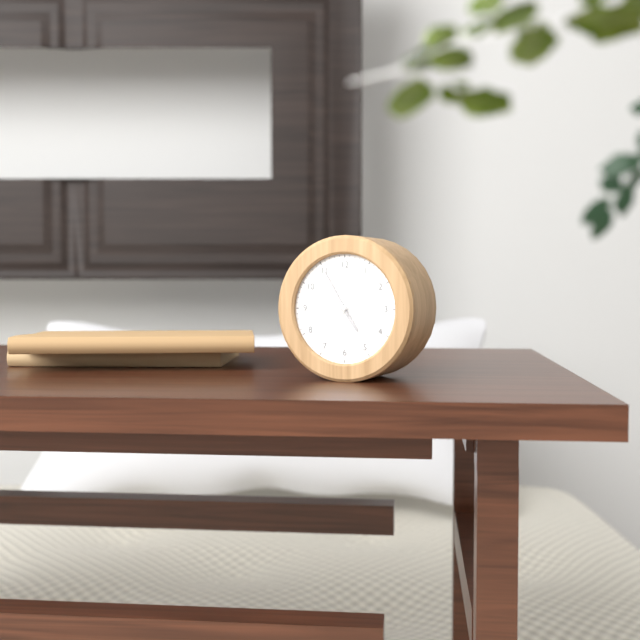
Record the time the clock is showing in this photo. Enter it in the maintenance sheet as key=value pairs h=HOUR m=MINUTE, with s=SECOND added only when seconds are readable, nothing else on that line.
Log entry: h=4 m=55 s=37
